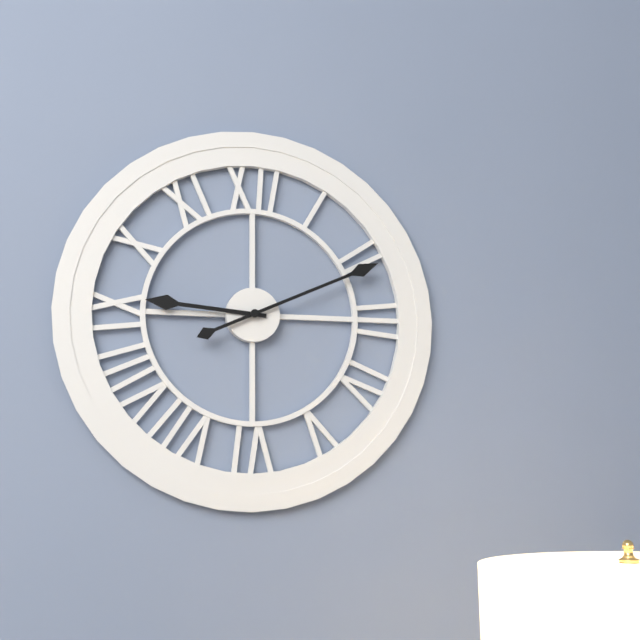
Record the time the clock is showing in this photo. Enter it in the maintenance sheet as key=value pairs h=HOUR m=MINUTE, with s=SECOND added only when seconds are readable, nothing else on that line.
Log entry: h=9 m=11
